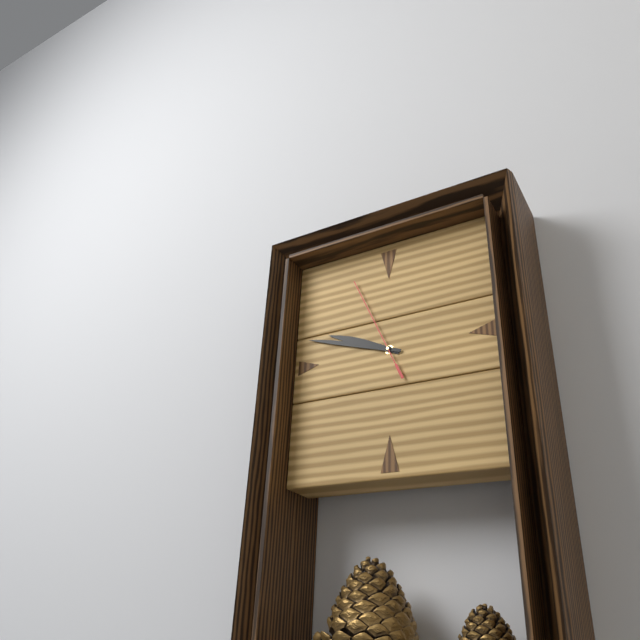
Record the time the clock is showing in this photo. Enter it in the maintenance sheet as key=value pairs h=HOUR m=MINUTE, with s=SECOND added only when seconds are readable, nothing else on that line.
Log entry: h=9 m=48 s=56
